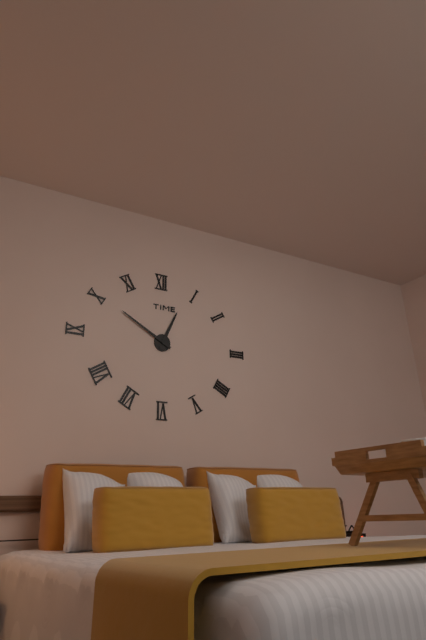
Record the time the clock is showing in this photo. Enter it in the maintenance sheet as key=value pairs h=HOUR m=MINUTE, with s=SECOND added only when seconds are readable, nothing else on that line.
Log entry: h=12 m=50
